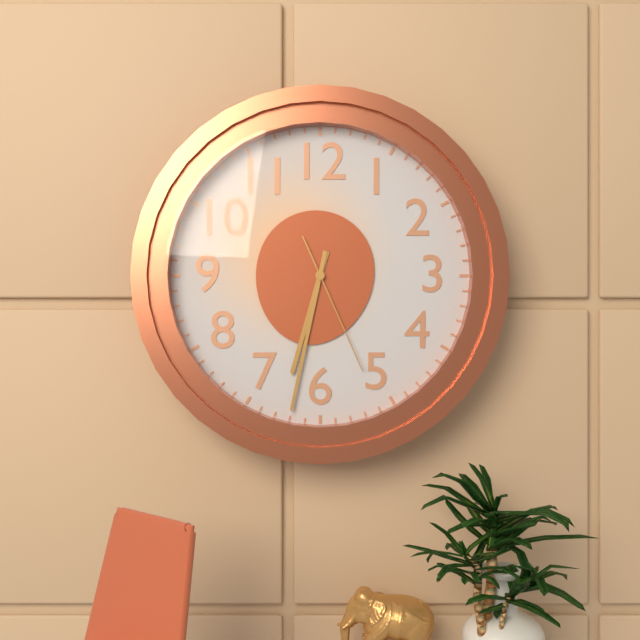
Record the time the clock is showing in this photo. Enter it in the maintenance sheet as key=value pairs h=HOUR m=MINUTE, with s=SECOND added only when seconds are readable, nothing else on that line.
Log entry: h=6 m=32 s=26
